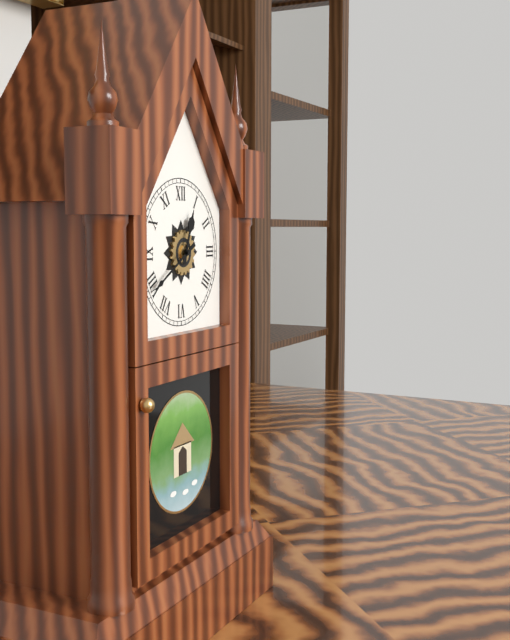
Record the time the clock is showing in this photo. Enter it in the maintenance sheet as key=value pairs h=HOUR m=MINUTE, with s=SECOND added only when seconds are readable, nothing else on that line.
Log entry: h=12 m=40
